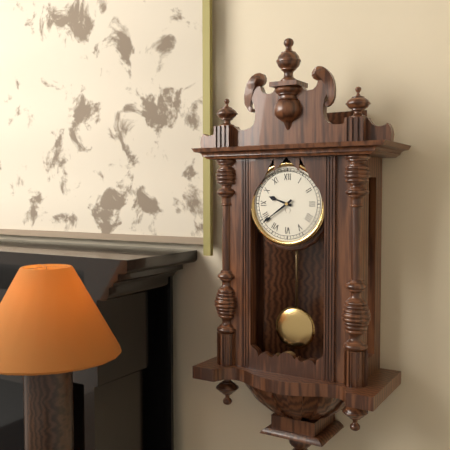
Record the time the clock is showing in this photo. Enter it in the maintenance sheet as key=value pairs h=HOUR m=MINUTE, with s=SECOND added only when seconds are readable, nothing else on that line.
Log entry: h=9 m=39
